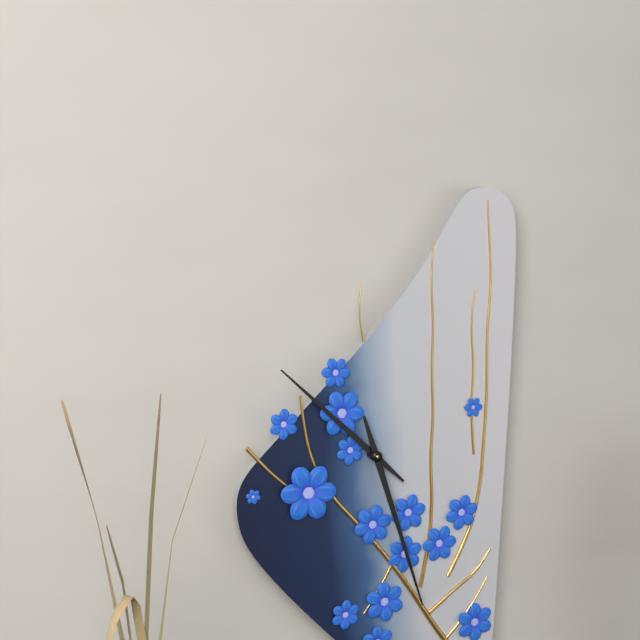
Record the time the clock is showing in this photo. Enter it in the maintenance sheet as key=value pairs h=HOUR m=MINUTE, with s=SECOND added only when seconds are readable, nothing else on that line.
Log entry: h=10 m=27
